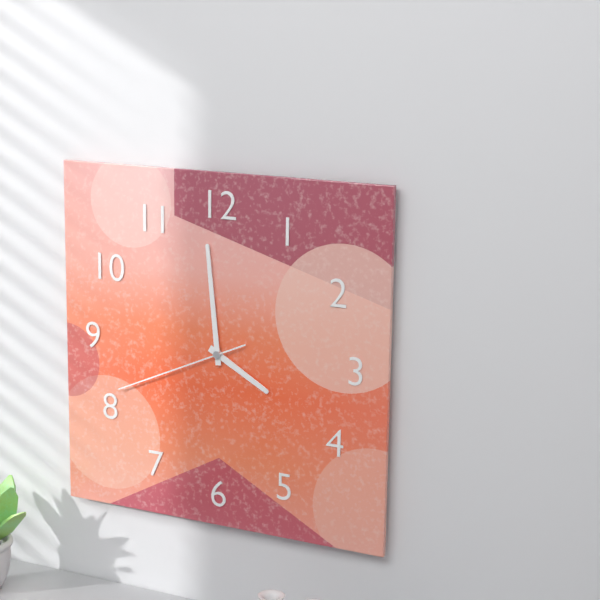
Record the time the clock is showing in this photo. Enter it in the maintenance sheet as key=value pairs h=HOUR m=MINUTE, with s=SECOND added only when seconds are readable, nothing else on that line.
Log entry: h=3 m=59 s=41
